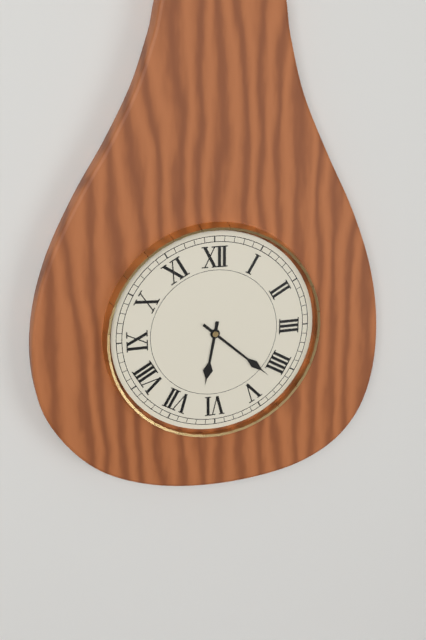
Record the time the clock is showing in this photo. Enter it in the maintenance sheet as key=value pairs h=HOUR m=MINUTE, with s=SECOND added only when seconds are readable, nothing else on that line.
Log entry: h=6 m=22
